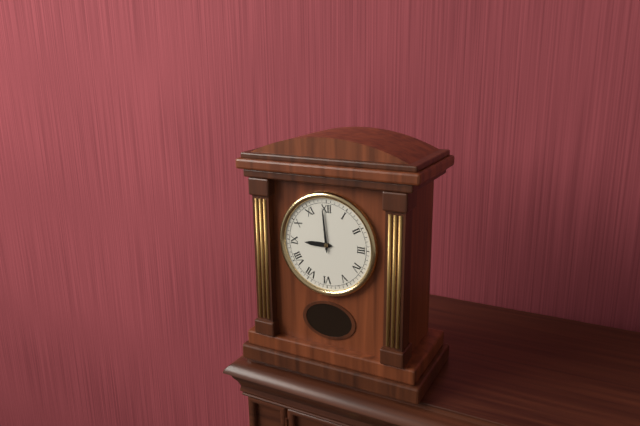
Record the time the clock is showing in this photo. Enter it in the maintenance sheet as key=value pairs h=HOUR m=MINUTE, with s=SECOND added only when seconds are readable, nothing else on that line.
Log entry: h=8 m=59
